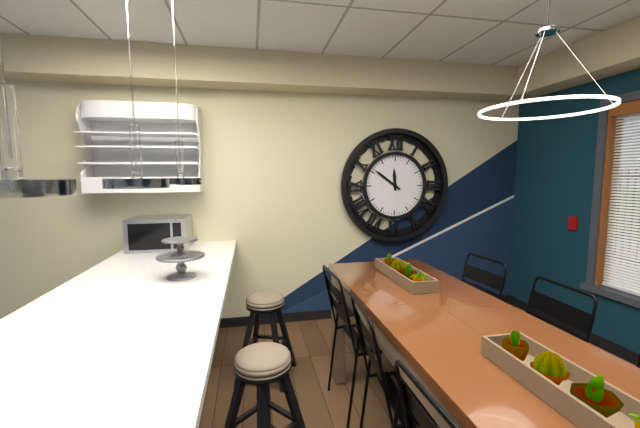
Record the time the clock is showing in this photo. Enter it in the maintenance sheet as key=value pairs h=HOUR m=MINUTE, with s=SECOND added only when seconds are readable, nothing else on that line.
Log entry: h=11 m=51
